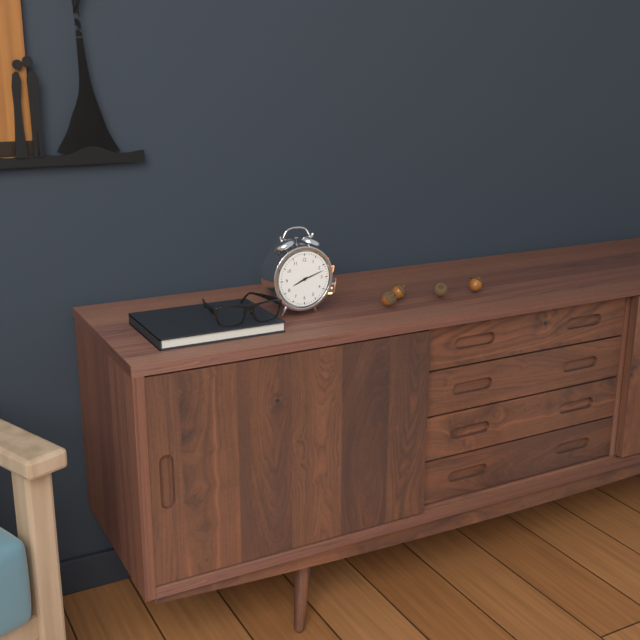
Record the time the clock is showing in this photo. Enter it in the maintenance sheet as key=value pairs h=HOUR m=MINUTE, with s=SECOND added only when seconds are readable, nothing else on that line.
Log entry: h=8 m=12
